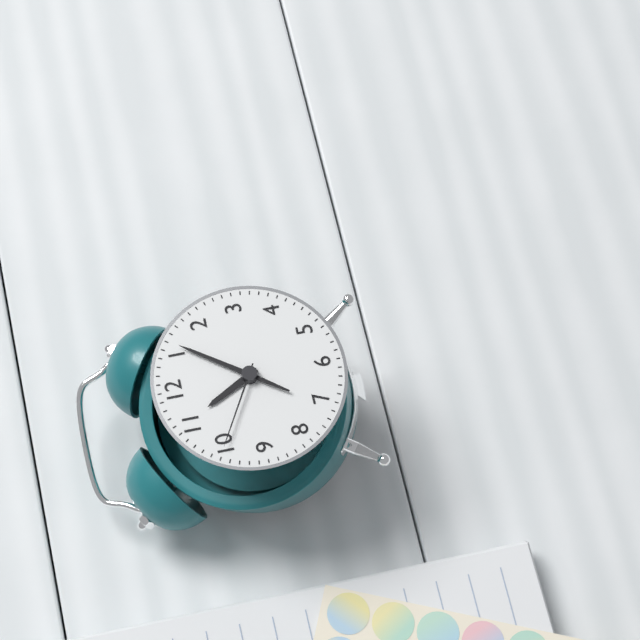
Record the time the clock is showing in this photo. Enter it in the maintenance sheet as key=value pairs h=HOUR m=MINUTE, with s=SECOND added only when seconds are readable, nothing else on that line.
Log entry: h=11 m=6 s=50
